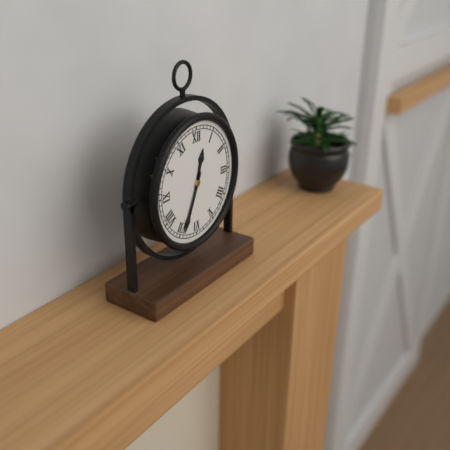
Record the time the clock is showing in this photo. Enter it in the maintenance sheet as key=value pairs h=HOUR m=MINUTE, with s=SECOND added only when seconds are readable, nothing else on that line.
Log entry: h=12 m=34
